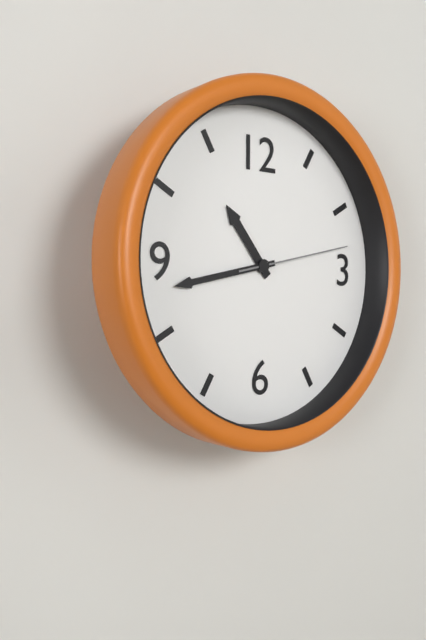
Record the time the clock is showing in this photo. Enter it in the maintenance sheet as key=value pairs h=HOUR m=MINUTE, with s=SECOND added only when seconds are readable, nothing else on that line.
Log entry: h=10 m=43 s=13
